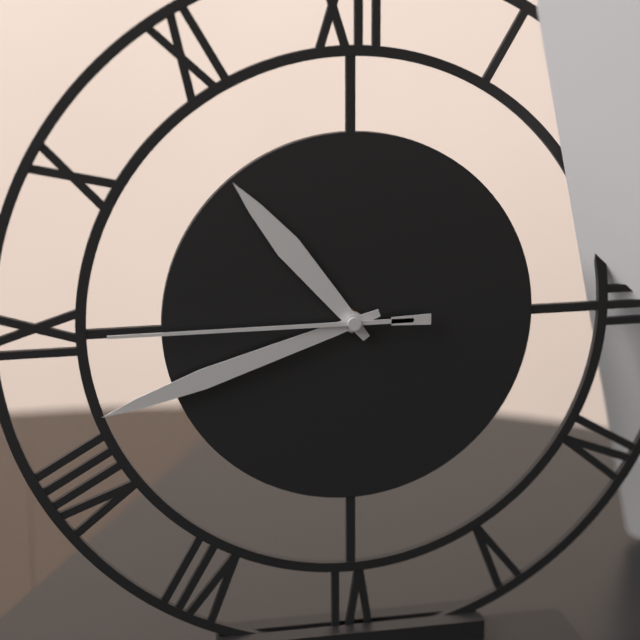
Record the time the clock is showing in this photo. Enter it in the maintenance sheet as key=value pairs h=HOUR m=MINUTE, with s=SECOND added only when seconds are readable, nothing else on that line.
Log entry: h=10 m=42 s=45
